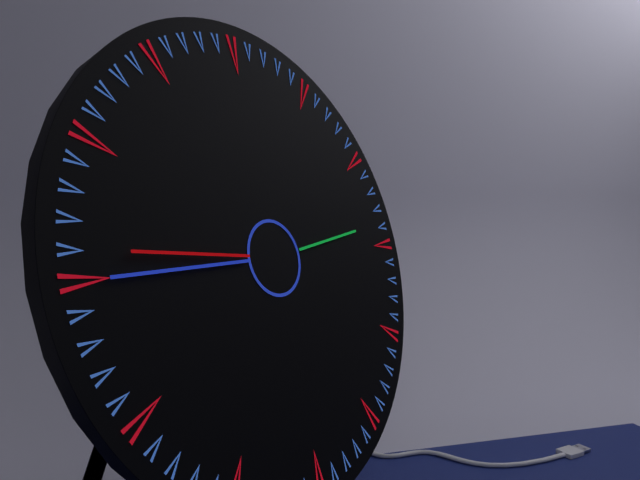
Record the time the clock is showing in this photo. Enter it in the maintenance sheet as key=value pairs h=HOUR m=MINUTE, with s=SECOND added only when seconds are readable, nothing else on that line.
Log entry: h=2 m=45 s=46
